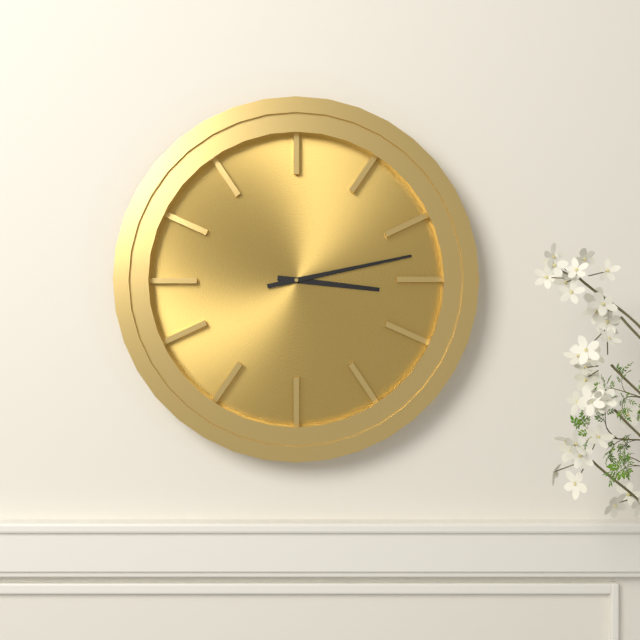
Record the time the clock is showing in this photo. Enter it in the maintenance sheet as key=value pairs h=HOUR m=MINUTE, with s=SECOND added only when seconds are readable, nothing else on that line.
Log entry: h=3 m=13
